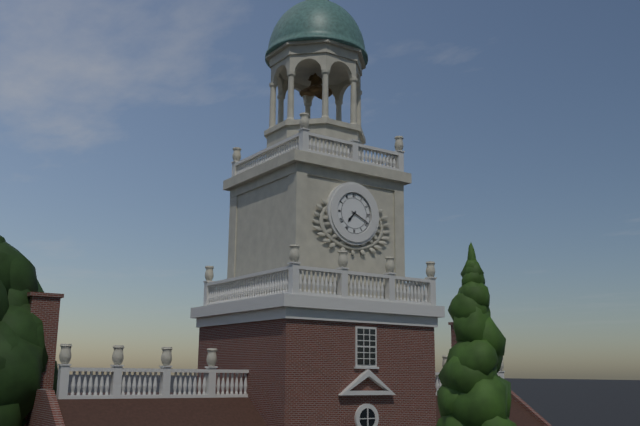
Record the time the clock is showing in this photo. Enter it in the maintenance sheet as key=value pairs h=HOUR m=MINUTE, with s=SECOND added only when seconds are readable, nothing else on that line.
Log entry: h=7 m=19
